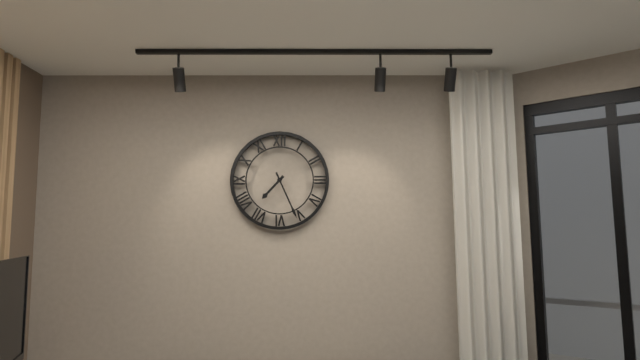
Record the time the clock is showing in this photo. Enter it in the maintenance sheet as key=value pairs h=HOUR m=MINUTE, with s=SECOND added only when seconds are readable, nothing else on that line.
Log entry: h=7 m=26
